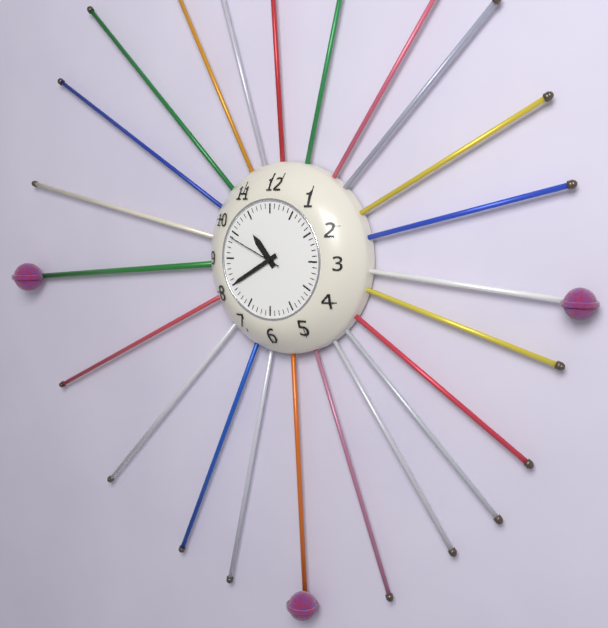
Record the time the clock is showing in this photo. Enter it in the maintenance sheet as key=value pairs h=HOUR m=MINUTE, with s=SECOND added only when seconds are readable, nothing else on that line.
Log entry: h=10 m=40 s=49
